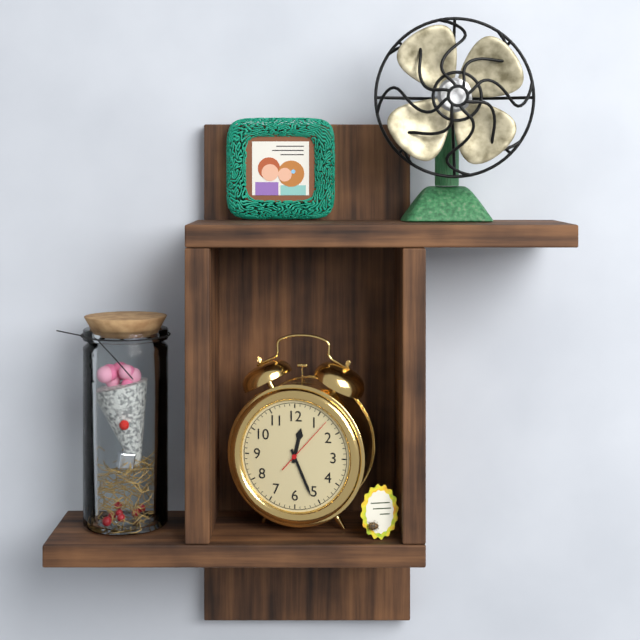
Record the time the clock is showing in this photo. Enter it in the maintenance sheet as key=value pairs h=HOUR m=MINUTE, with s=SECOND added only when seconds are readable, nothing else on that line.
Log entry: h=12 m=26 s=7
